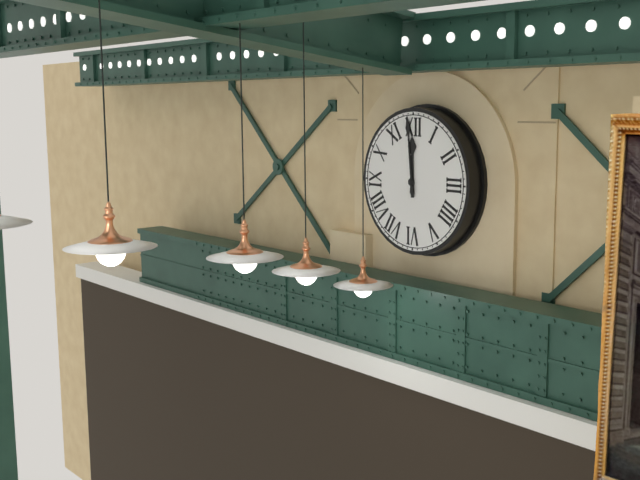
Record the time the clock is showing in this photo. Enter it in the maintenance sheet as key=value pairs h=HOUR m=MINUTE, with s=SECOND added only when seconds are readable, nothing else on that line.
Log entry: h=11 m=59
